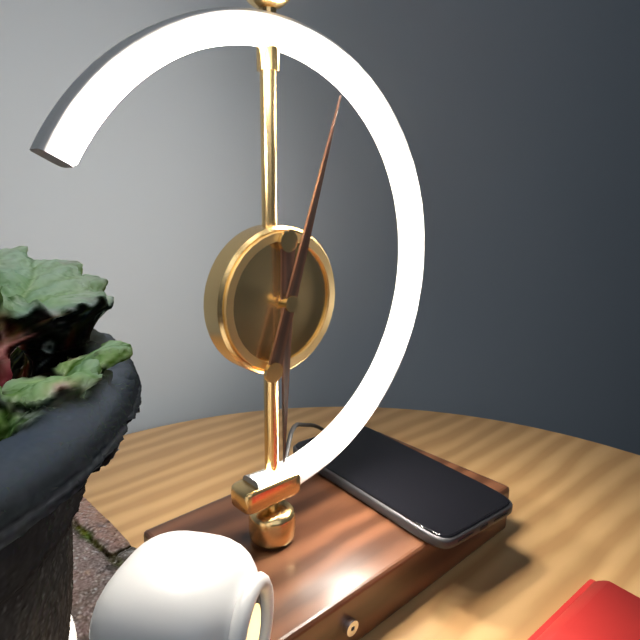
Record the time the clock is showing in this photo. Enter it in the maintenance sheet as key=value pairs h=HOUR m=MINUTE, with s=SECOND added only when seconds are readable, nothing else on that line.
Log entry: h=6 m=3
